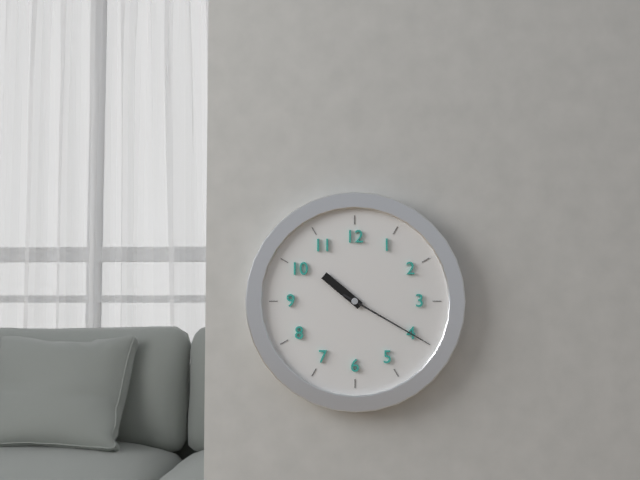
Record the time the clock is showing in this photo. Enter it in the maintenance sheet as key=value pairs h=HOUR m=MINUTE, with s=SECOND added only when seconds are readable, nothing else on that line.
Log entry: h=10 m=20
